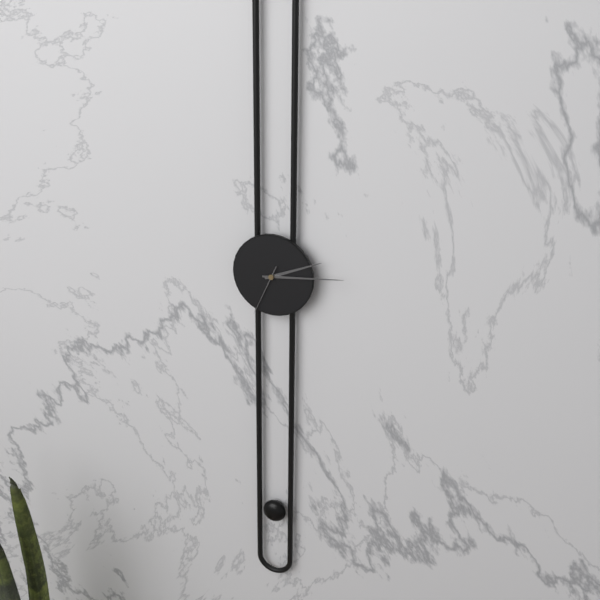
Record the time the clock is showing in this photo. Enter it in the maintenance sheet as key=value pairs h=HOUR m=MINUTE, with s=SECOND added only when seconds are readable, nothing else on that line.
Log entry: h=2 m=14 s=34
